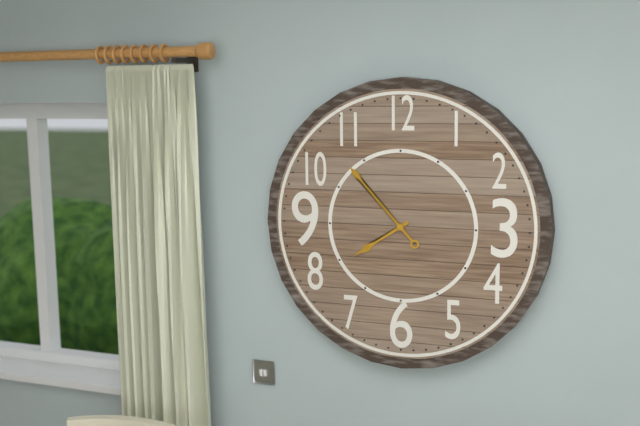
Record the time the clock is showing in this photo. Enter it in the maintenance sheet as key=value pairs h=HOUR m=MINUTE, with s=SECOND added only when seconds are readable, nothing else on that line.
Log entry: h=7 m=53
